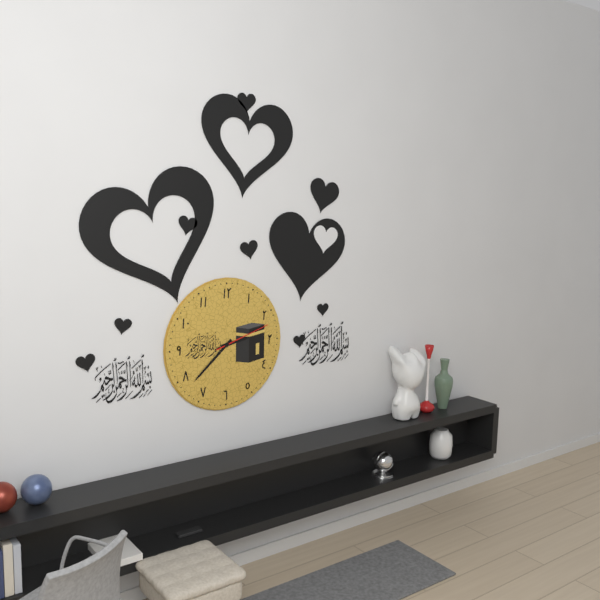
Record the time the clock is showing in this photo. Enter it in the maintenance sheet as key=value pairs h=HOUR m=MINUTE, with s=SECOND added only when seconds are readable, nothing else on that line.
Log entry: h=2 m=38 s=12
